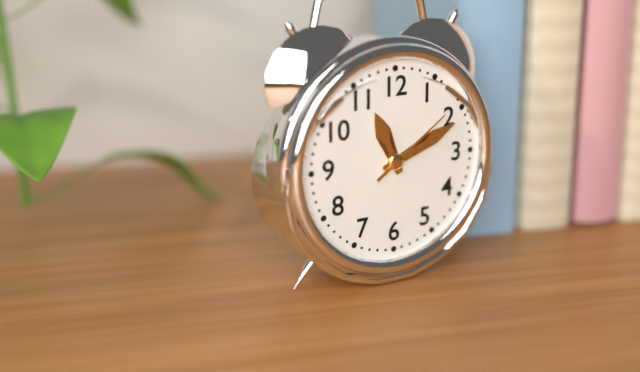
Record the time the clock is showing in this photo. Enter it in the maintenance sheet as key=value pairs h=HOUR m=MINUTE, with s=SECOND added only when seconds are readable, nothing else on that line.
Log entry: h=11 m=11 s=9
